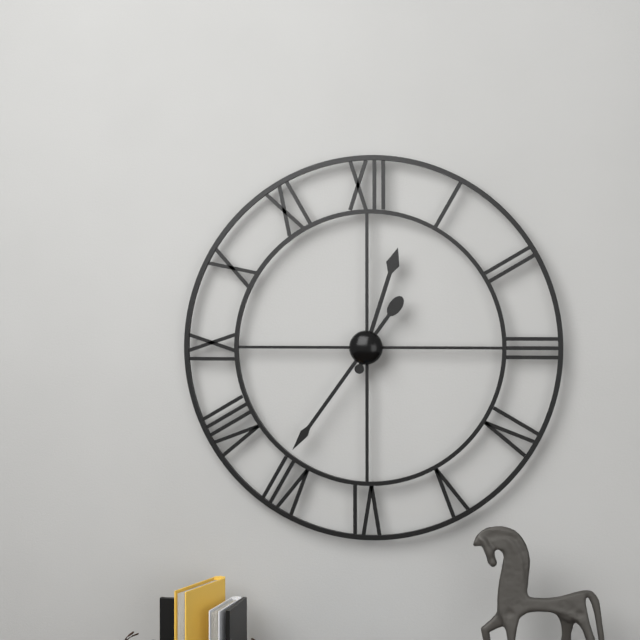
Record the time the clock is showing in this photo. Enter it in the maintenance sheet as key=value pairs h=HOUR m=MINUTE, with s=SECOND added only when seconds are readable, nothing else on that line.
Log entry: h=12 m=36
